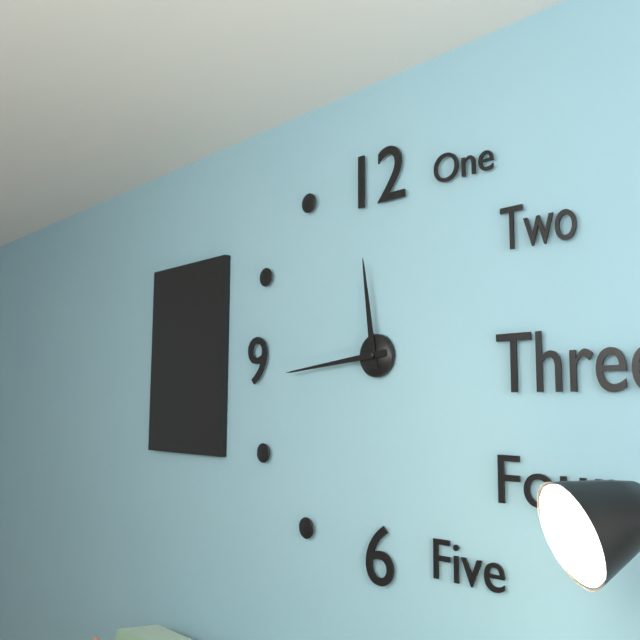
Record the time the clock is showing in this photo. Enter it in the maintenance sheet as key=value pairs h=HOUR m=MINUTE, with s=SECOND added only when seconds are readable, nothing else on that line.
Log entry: h=11 m=44
